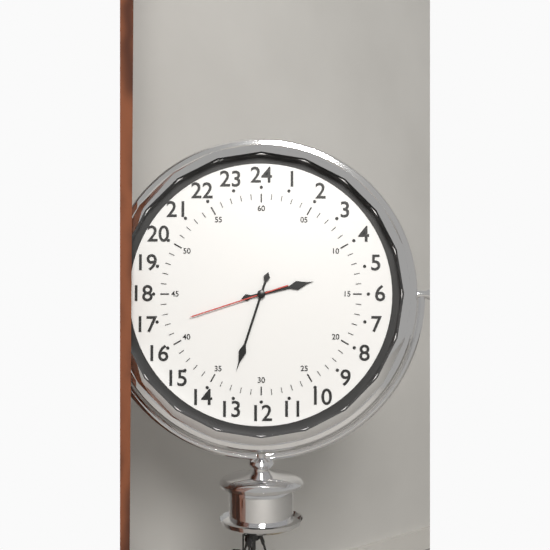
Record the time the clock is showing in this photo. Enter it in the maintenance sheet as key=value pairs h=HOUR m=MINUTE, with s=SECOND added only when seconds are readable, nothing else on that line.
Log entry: h=2 m=33 s=42
